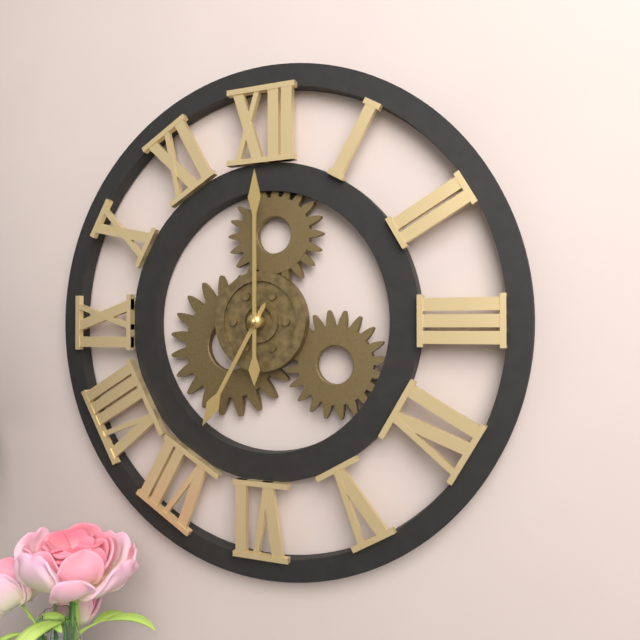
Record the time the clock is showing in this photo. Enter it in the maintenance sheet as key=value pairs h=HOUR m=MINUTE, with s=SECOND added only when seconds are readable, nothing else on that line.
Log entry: h=7 m=0
